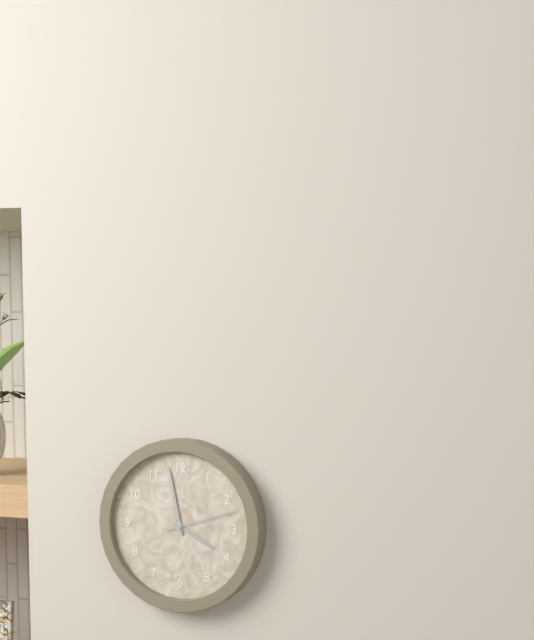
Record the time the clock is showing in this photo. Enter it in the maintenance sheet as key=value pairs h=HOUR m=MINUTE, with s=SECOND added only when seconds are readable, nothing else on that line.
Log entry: h=3 m=58 s=12
